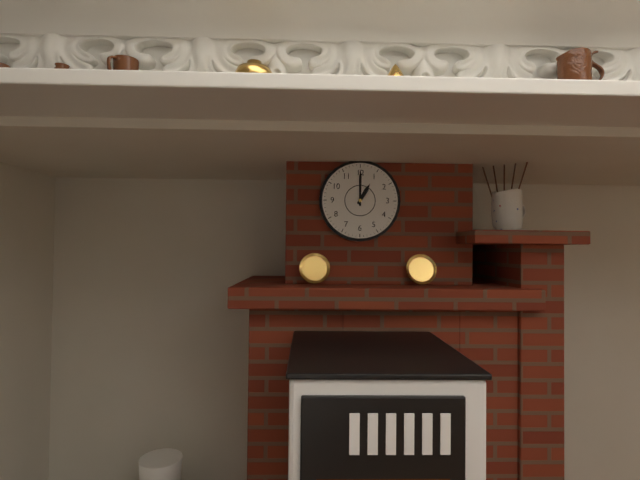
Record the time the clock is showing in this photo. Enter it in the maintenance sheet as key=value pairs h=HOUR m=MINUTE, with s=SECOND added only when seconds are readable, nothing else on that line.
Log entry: h=1 m=0
